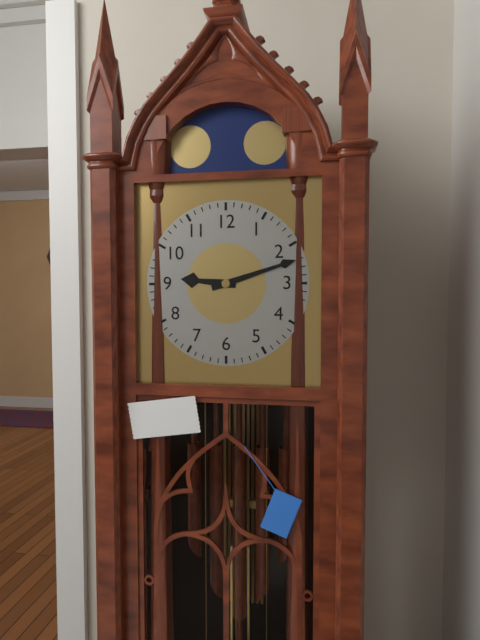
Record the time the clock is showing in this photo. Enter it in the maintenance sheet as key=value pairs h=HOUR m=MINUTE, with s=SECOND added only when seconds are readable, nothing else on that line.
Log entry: h=9 m=12
